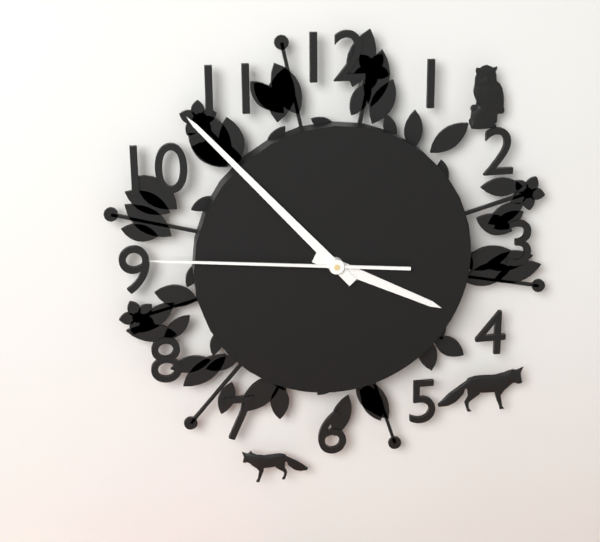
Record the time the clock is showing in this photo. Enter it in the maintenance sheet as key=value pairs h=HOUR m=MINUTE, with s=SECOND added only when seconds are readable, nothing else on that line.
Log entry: h=3 m=53 s=46
